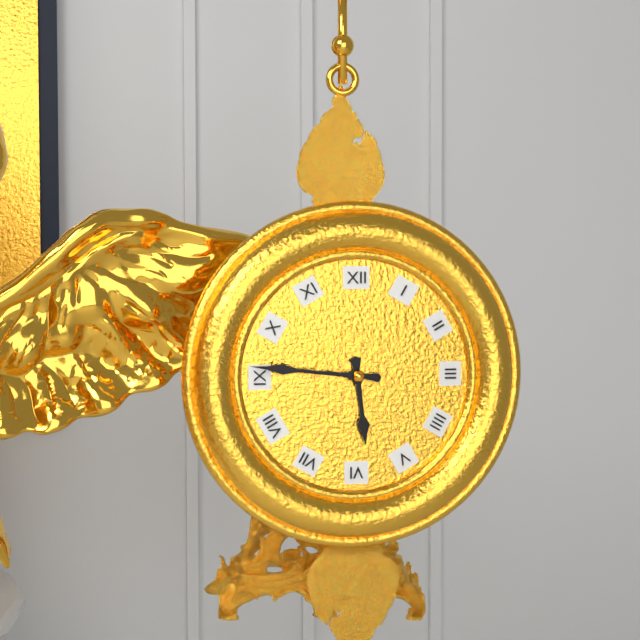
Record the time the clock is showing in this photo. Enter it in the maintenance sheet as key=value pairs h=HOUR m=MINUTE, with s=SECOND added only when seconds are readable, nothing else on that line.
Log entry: h=5 m=46
